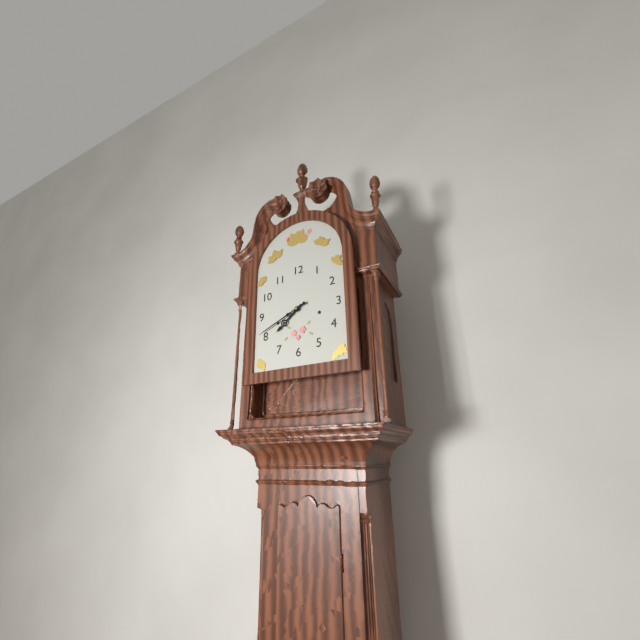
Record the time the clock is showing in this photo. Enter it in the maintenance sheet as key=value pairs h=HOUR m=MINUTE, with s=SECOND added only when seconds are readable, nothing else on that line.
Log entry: h=7 m=41
